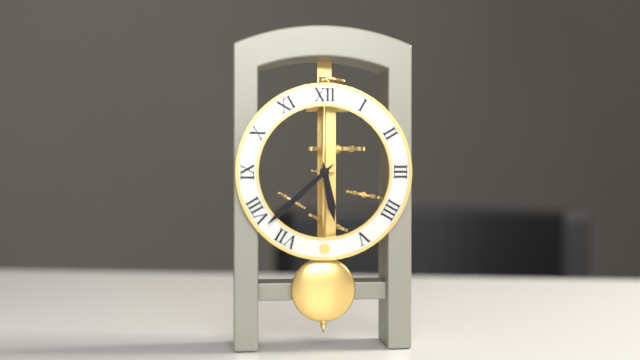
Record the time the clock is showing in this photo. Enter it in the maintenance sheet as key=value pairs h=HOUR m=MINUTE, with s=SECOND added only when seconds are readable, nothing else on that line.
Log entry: h=5 m=38
